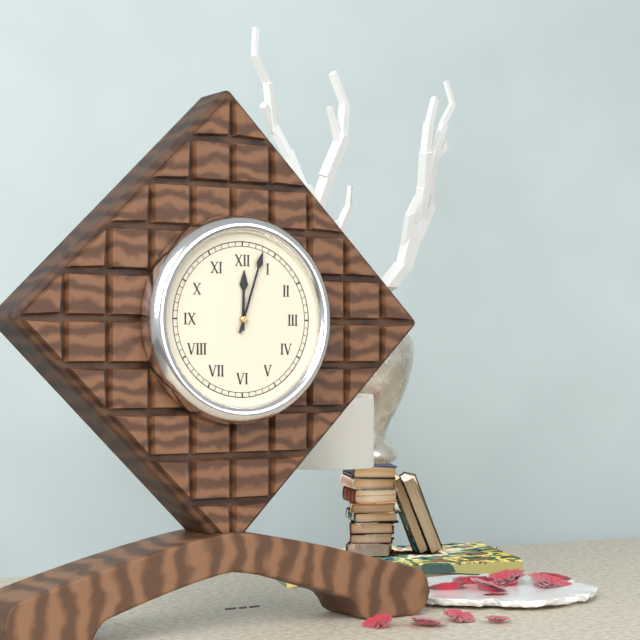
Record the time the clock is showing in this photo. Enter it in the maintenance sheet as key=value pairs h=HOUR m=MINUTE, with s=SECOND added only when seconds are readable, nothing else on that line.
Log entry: h=12 m=3
